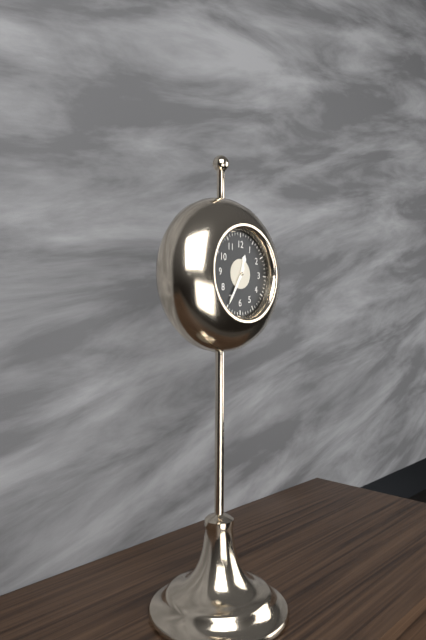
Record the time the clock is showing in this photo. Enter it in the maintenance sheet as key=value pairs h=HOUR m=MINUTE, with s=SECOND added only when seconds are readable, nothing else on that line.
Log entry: h=12 m=35
